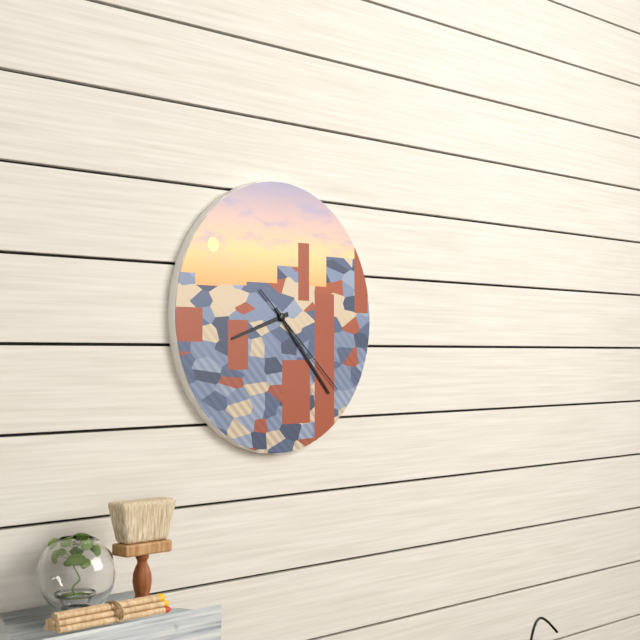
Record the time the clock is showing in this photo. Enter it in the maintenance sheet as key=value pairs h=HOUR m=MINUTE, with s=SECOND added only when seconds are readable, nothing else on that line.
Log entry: h=8 m=23 s=22
